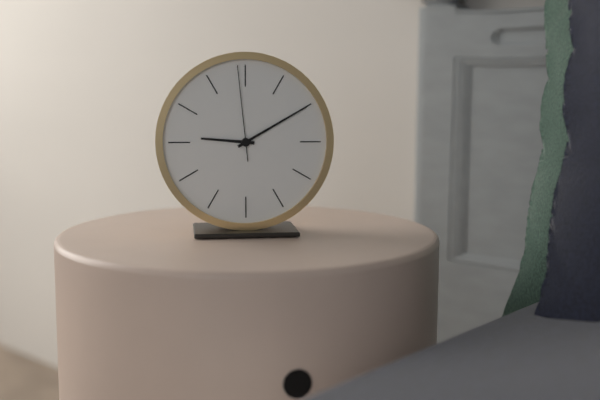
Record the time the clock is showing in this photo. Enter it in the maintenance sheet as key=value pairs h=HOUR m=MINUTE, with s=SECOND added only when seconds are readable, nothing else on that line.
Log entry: h=9 m=10 s=59
